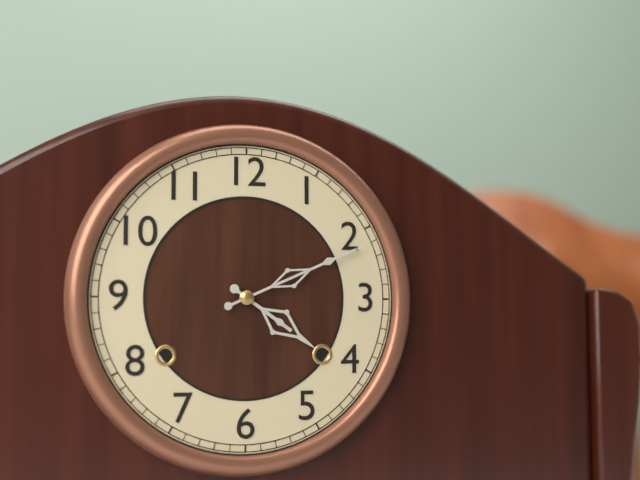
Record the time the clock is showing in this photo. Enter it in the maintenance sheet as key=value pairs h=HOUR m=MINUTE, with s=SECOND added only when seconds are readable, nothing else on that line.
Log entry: h=4 m=11
